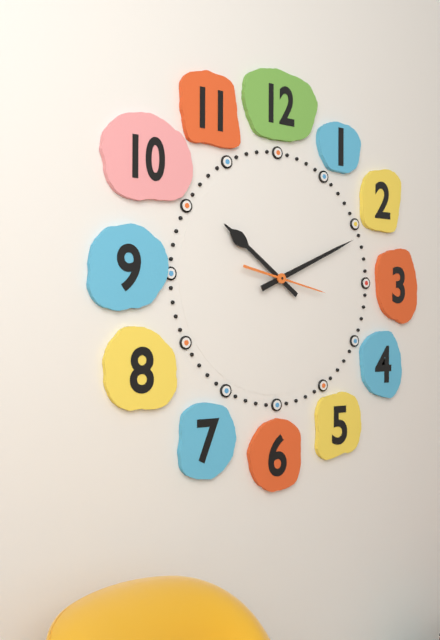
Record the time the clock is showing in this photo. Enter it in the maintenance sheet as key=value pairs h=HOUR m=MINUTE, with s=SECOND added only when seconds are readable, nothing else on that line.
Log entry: h=10 m=11 s=17
